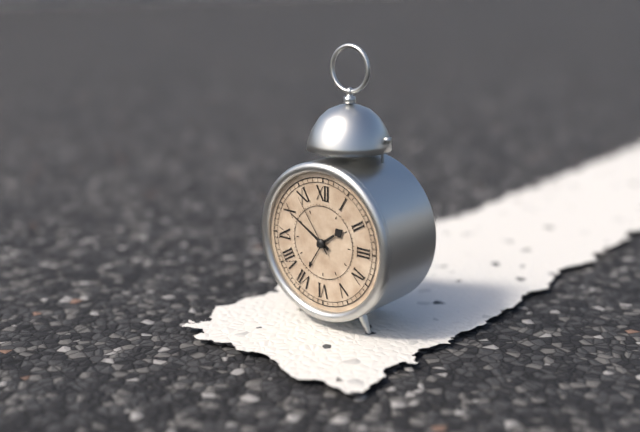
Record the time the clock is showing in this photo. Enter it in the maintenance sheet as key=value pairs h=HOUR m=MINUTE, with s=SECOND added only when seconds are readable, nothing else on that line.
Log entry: h=1 m=50 s=54
